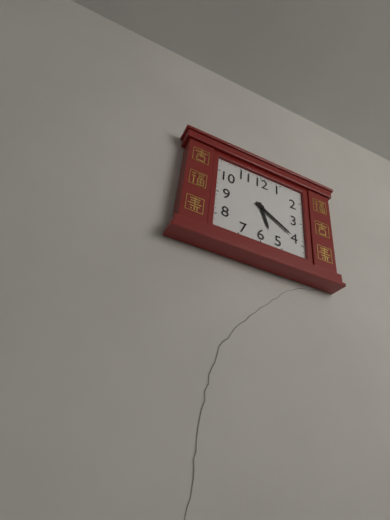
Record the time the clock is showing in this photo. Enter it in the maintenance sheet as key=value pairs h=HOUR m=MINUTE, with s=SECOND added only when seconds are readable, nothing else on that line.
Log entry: h=5 m=20
